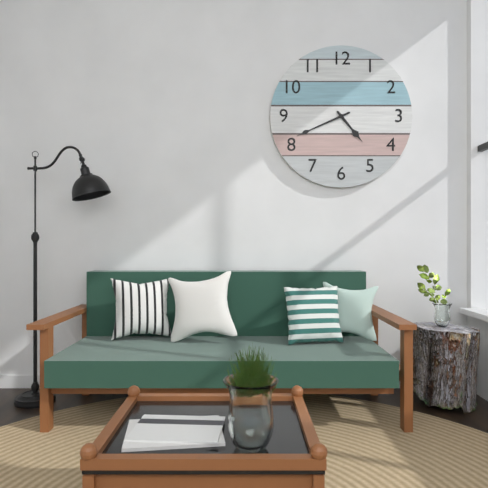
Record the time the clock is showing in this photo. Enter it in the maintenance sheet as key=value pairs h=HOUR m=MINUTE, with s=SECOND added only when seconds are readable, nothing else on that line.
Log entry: h=4 m=41
